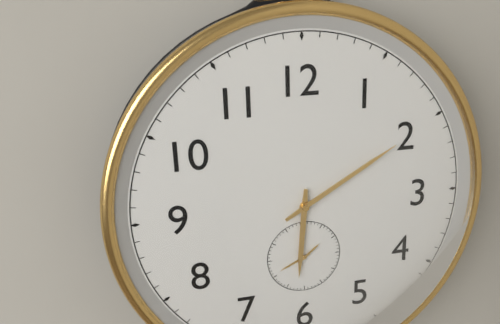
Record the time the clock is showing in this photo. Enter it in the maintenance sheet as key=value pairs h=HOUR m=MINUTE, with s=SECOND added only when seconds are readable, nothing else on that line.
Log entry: h=6 m=10
